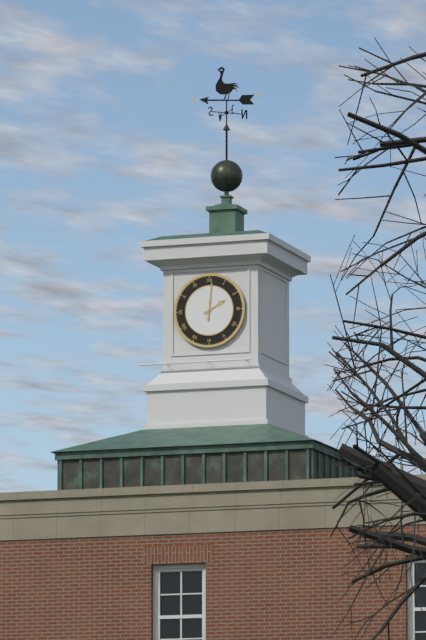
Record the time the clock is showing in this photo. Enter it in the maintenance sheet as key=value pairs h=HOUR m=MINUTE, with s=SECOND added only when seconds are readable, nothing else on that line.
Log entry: h=2 m=1
